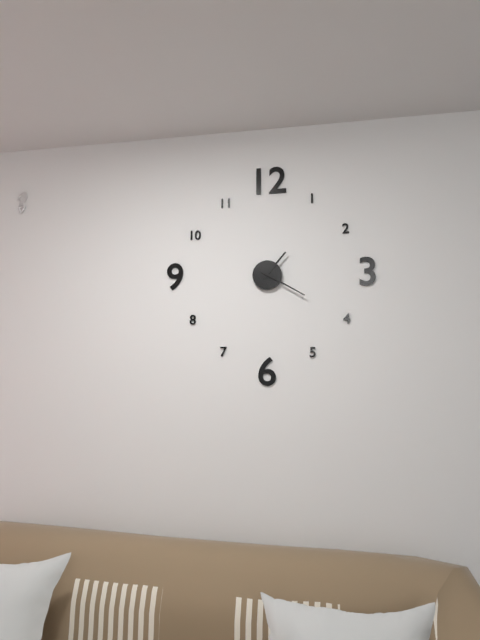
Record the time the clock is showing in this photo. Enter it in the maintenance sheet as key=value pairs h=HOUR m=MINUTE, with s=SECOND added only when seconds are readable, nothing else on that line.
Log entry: h=1 m=20
